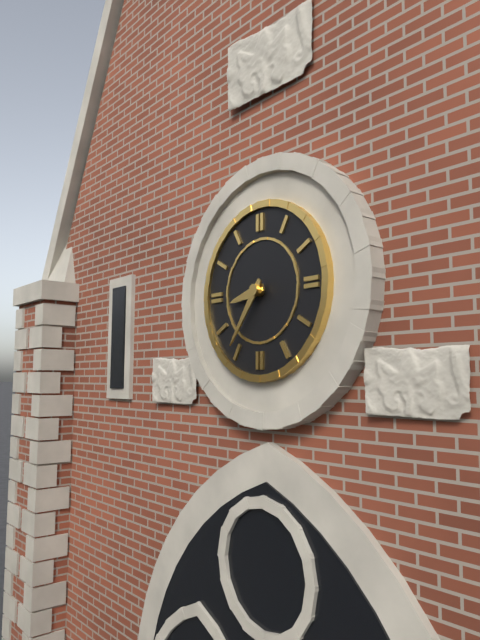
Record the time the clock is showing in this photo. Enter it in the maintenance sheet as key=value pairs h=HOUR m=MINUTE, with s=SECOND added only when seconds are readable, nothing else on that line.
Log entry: h=8 m=36
